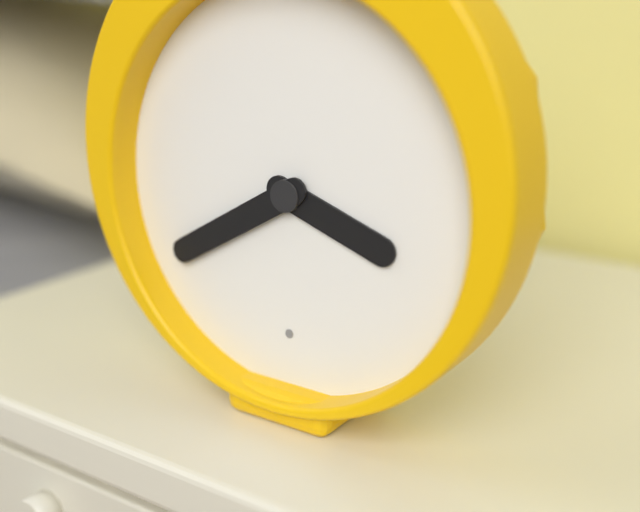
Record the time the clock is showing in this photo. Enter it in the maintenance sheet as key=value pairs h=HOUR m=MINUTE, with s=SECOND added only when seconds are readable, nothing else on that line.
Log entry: h=3 m=40
